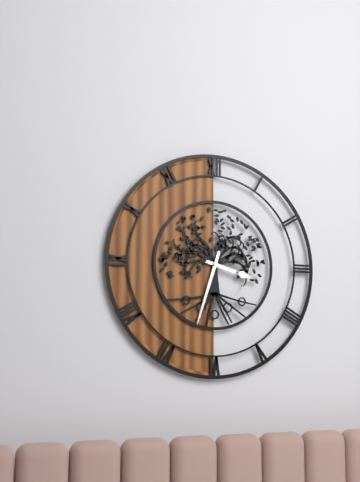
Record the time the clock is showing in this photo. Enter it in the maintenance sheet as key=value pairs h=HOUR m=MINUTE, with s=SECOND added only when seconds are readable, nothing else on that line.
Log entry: h=3 m=33
